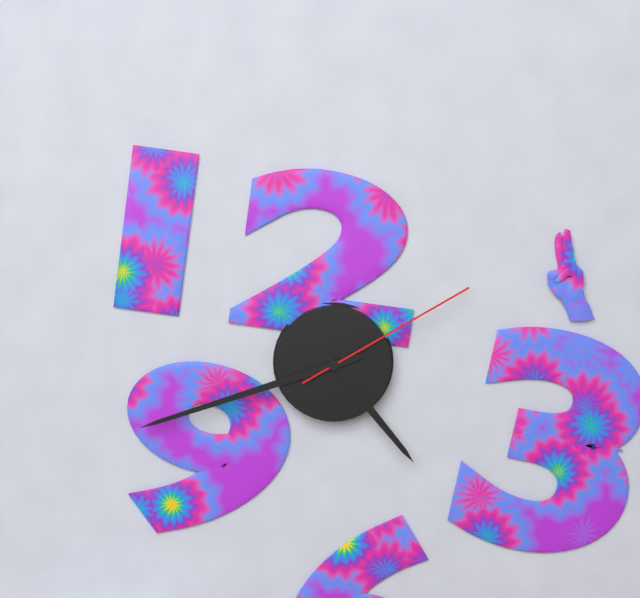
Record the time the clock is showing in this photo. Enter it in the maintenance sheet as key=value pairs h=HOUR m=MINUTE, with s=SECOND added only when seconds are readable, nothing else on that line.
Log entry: h=4 m=42 s=10
